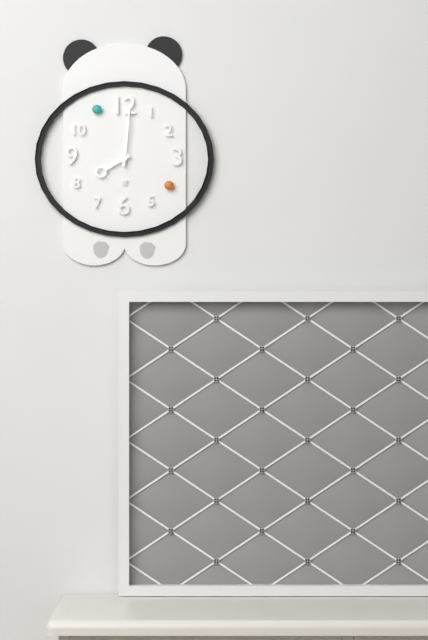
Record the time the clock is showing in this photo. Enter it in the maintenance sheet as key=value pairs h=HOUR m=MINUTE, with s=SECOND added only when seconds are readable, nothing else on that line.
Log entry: h=8 m=1
